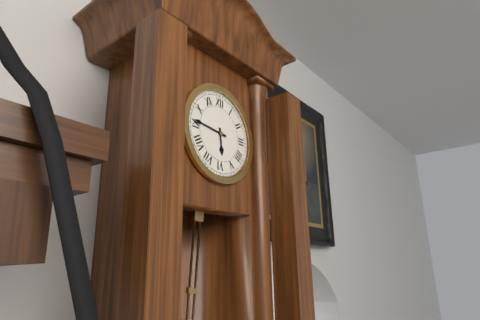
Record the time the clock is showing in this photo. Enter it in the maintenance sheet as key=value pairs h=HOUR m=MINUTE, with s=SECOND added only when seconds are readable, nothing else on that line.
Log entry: h=5 m=46
